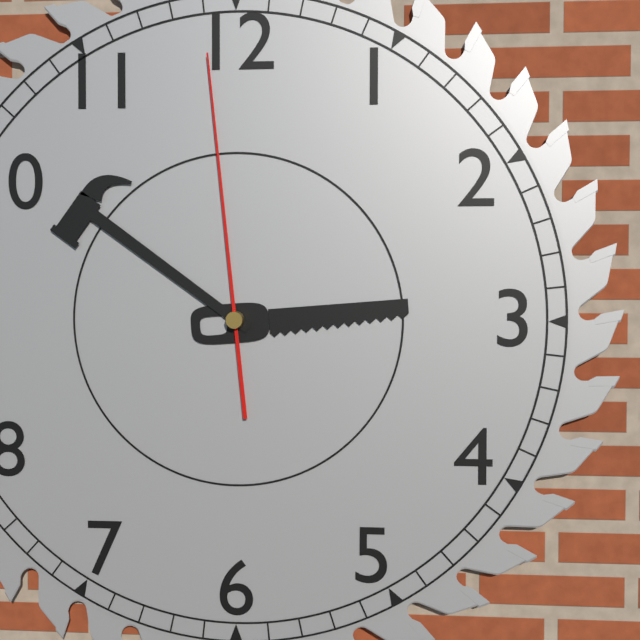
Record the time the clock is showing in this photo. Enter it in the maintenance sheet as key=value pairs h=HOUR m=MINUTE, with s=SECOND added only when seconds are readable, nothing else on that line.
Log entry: h=2 m=51 s=59
